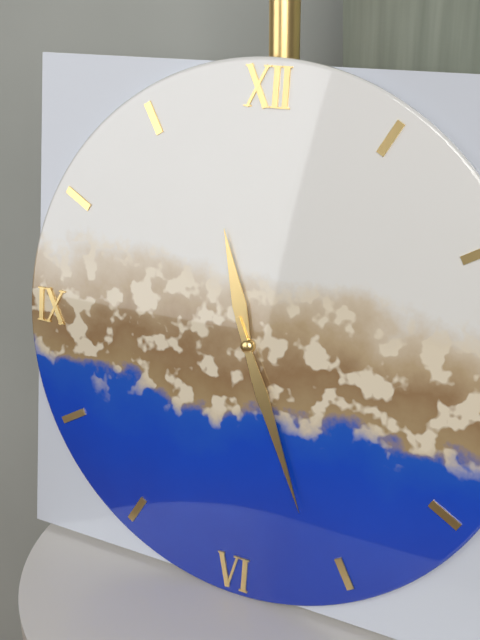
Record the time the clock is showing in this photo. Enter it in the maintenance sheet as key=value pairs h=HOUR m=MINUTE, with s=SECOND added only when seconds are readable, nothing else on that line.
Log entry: h=11 m=26
